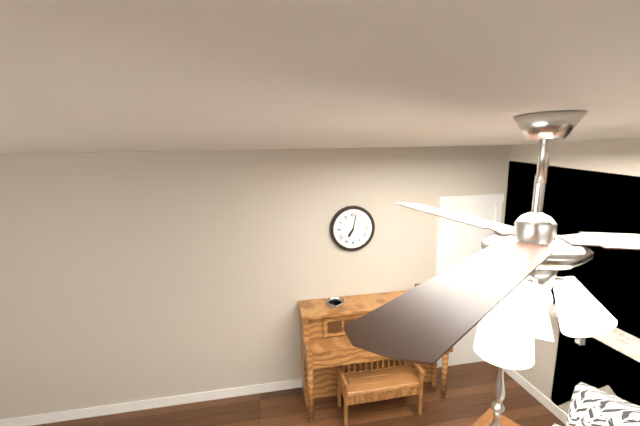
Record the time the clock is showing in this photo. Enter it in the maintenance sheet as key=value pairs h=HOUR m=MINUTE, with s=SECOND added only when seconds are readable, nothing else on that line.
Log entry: h=7 m=2
